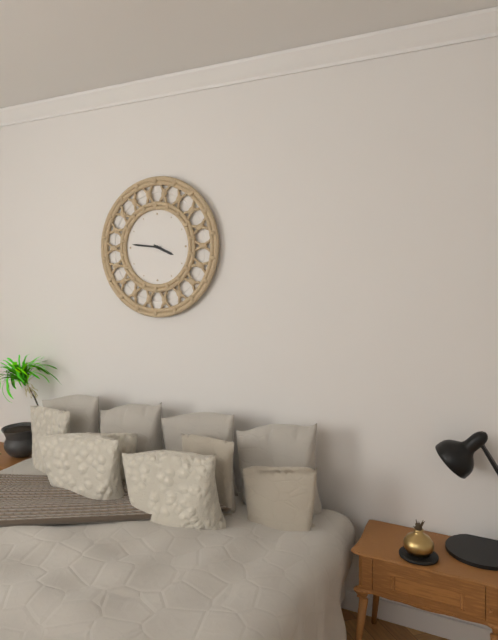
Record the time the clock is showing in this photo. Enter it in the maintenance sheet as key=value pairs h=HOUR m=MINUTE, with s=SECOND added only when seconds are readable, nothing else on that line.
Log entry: h=3 m=46
